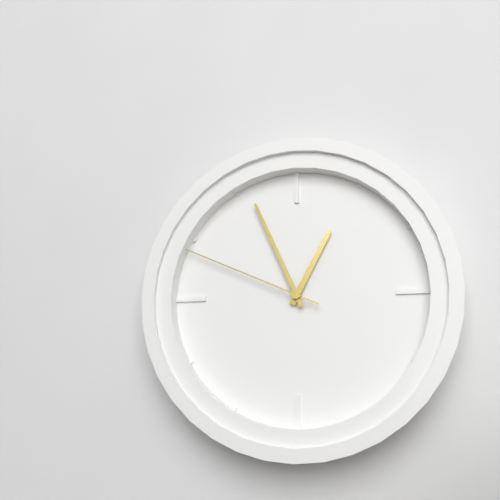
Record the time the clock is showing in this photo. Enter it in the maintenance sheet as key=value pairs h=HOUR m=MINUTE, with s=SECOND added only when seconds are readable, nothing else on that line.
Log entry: h=12 m=56 s=49
